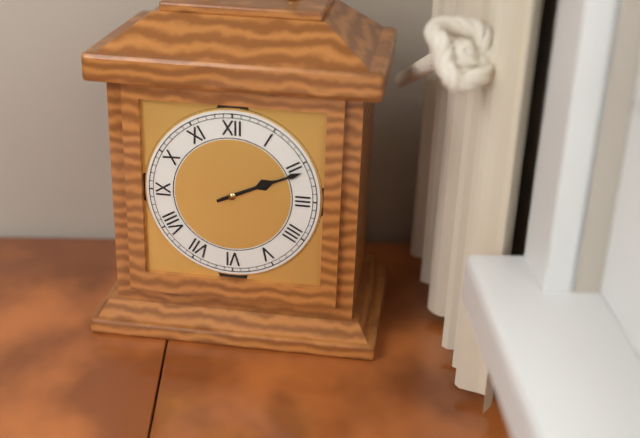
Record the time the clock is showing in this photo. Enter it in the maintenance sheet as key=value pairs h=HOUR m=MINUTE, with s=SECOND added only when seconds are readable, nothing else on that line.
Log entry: h=2 m=11
